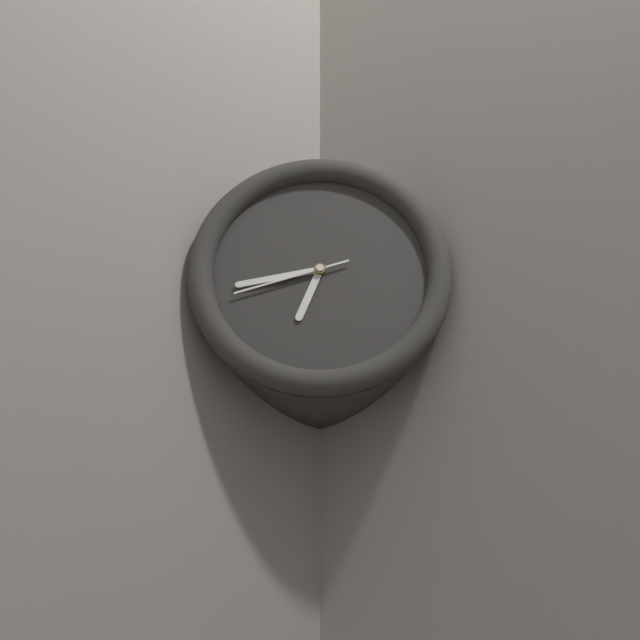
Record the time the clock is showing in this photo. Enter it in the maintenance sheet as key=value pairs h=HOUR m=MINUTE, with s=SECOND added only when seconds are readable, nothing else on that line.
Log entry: h=6 m=43 s=42
